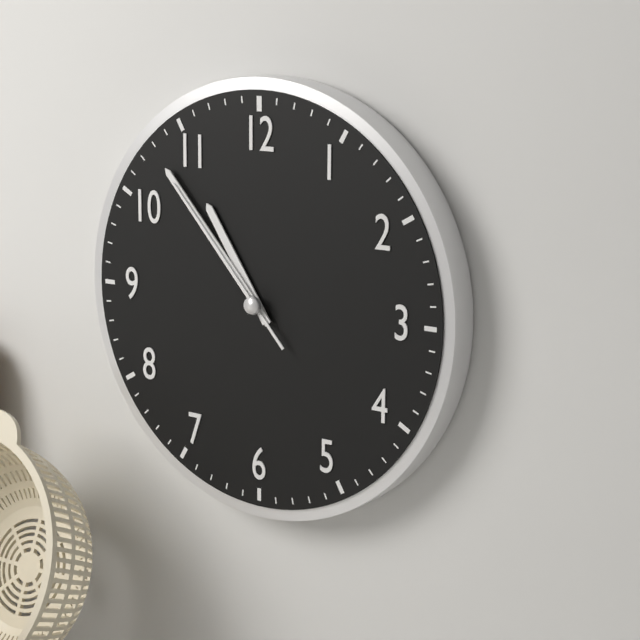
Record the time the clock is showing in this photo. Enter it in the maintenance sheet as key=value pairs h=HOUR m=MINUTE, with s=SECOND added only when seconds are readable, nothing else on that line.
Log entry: h=10 m=53 s=53
